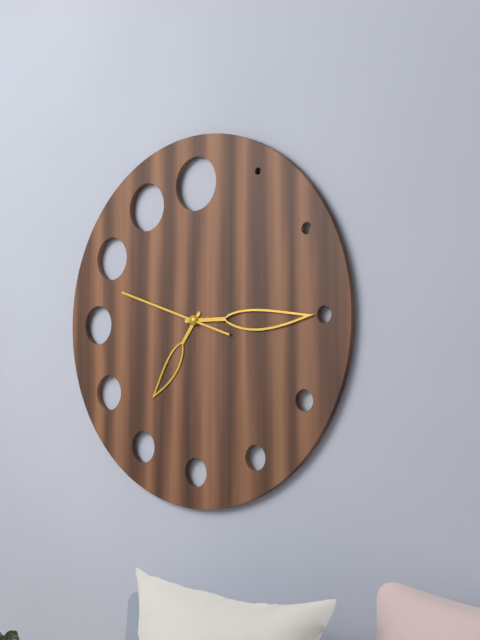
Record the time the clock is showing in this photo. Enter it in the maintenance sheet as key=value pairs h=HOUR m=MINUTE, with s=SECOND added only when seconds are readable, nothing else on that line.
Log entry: h=7 m=15 s=48
